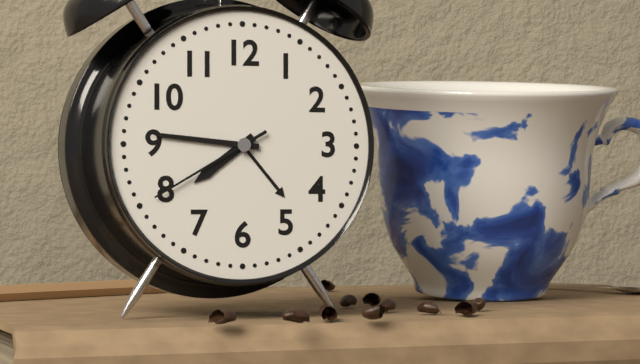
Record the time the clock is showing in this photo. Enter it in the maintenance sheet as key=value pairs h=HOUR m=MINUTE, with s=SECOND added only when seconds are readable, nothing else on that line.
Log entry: h=7 m=46 s=40
